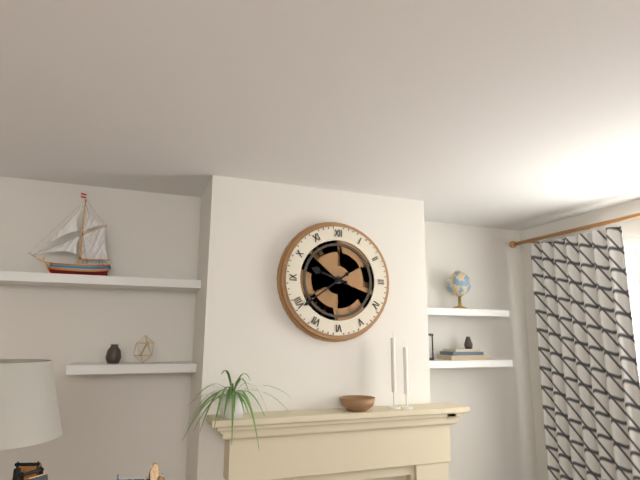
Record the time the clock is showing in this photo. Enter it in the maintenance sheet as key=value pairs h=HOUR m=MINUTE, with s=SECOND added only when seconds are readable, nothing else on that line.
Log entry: h=9 m=39
